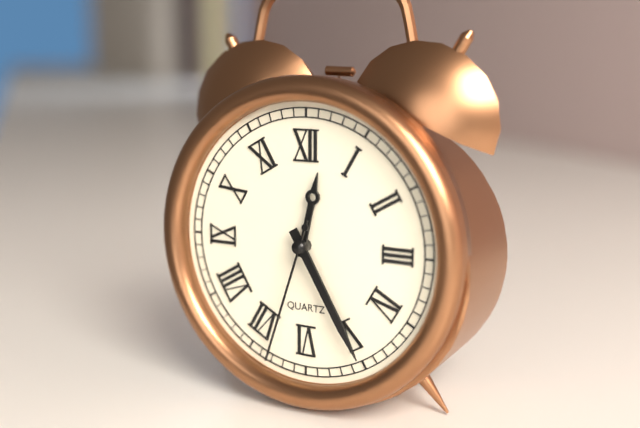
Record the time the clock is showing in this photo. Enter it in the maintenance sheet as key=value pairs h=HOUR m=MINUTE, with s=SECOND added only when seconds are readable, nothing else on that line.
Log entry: h=12 m=25 s=33
